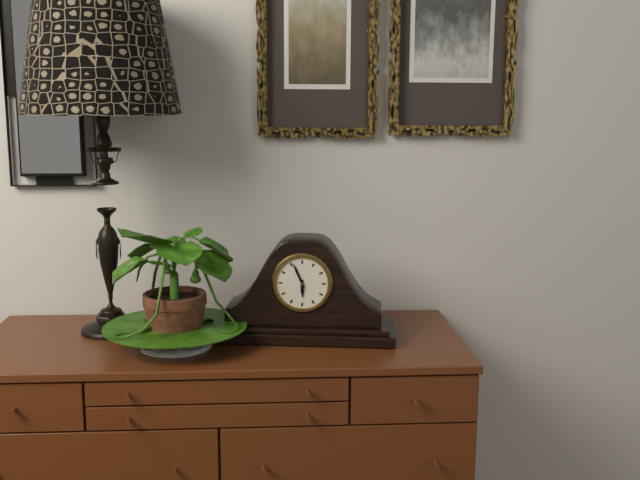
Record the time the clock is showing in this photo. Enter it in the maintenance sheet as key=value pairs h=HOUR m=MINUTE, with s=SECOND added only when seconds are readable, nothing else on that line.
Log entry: h=5 m=56
